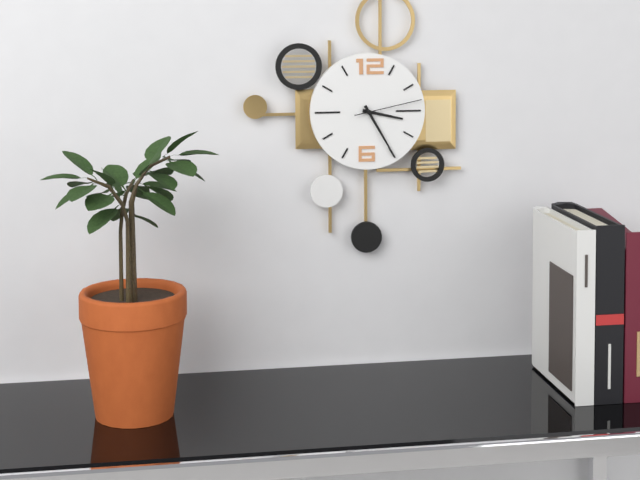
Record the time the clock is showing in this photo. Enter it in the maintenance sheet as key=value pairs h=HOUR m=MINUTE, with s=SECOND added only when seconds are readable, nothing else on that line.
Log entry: h=3 m=25 s=13
